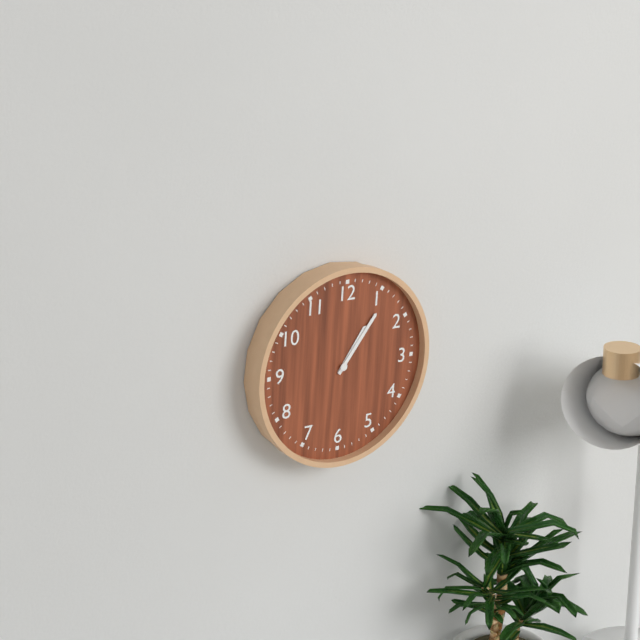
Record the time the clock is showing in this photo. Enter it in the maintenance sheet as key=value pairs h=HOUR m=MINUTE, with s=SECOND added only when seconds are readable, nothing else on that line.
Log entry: h=1 m=6
